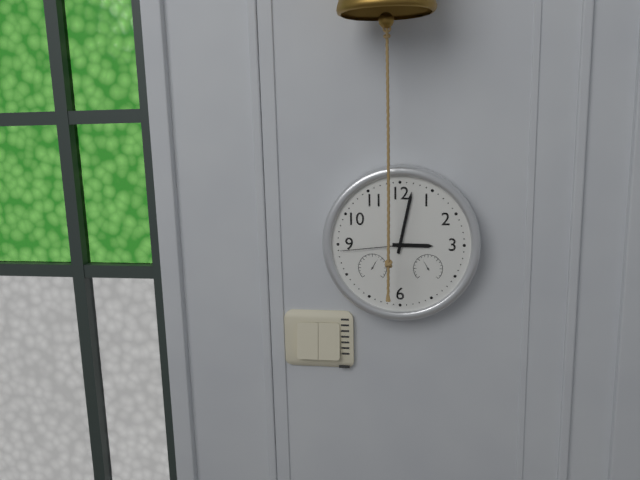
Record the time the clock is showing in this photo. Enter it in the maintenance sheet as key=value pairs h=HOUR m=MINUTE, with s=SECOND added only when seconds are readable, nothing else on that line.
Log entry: h=3 m=2 s=44
